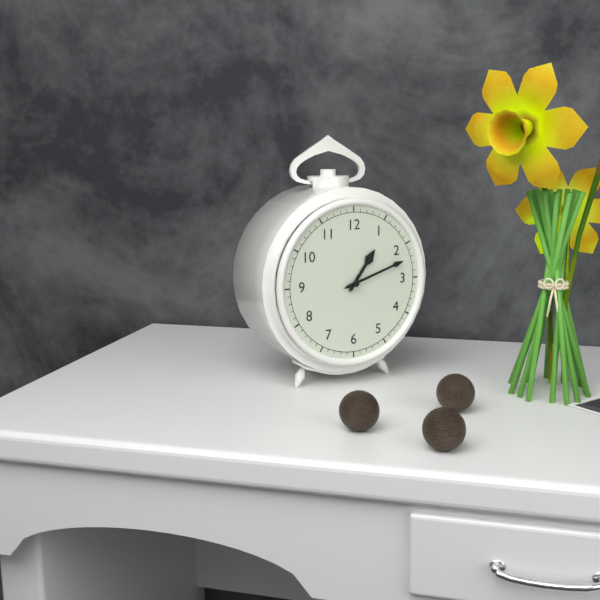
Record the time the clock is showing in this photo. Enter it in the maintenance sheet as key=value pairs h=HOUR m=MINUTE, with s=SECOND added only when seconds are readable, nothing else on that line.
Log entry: h=1 m=12
